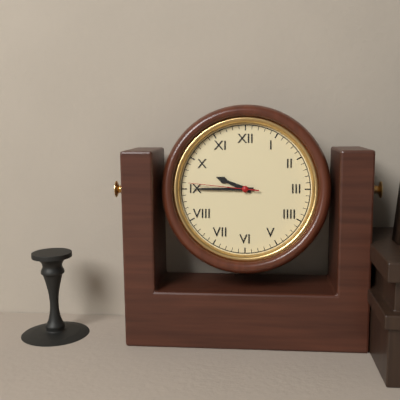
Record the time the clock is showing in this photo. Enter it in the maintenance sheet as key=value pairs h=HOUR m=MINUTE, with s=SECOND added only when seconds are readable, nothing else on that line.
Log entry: h=9 m=45 s=46
